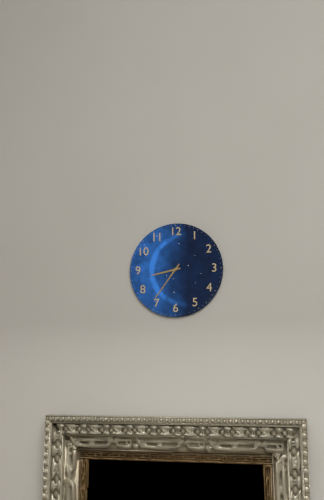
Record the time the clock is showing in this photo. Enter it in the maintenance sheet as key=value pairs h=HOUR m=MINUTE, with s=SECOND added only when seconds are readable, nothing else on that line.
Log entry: h=8 m=36
